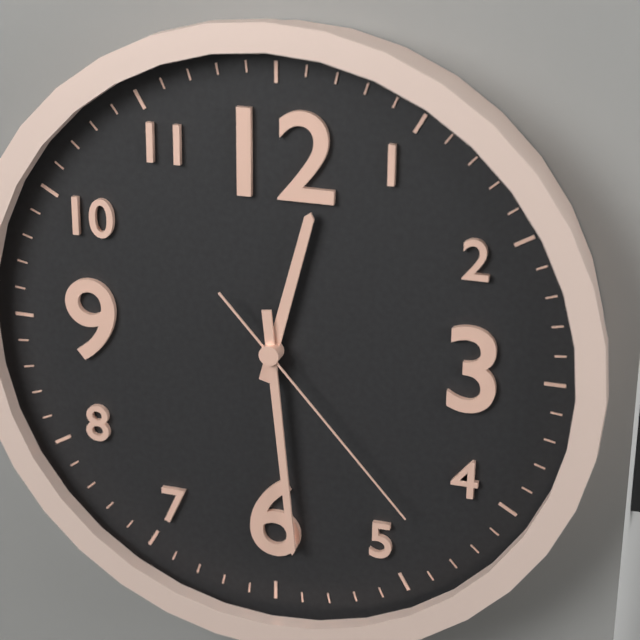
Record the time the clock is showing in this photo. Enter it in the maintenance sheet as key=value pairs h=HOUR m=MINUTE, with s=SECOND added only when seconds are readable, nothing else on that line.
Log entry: h=12 m=29 s=23
